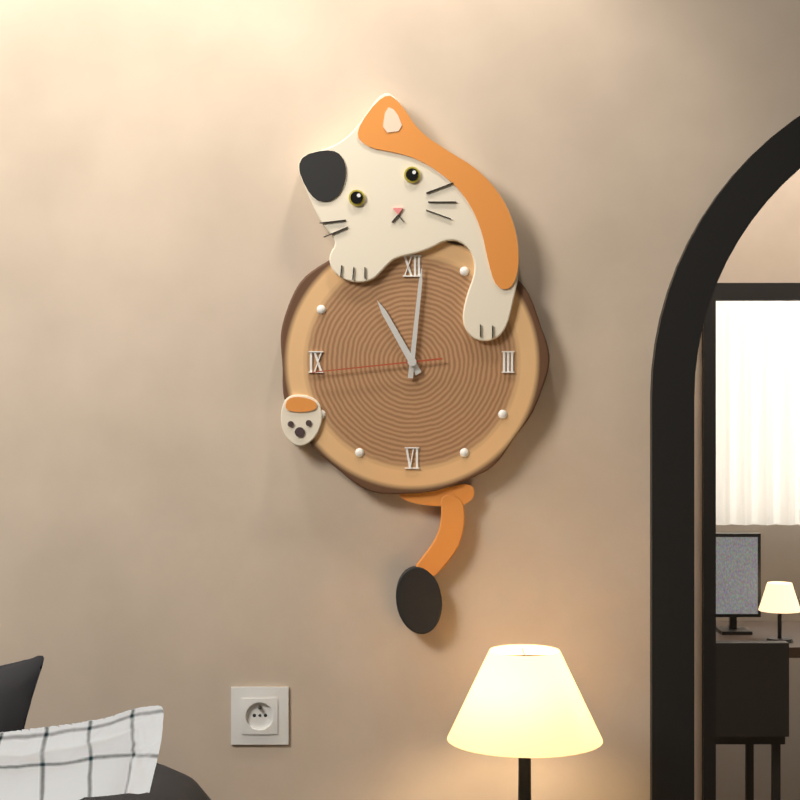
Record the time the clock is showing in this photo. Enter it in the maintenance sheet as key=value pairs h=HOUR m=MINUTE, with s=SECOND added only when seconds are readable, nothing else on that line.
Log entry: h=11 m=1 s=44
